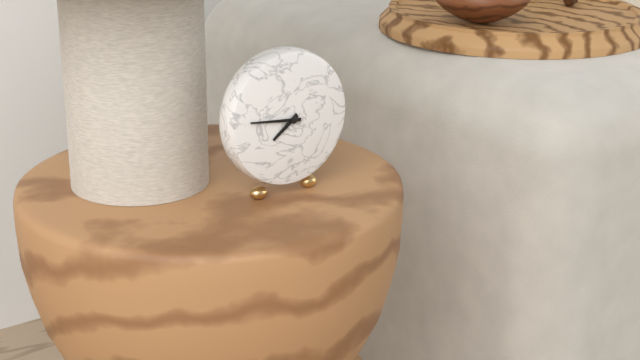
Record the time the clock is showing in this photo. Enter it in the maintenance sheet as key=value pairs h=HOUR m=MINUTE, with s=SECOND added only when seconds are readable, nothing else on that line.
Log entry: h=7 m=46
